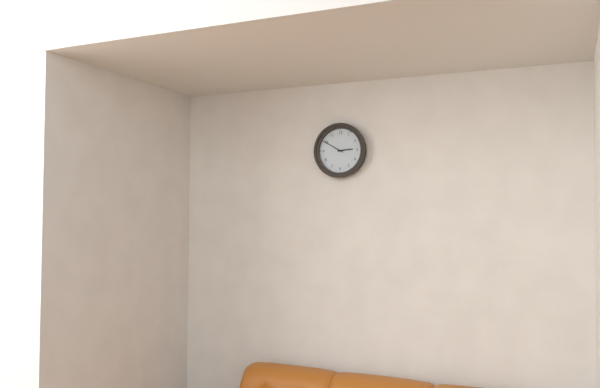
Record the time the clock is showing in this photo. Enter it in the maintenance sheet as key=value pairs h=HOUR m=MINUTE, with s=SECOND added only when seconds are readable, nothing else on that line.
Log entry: h=2 m=50
